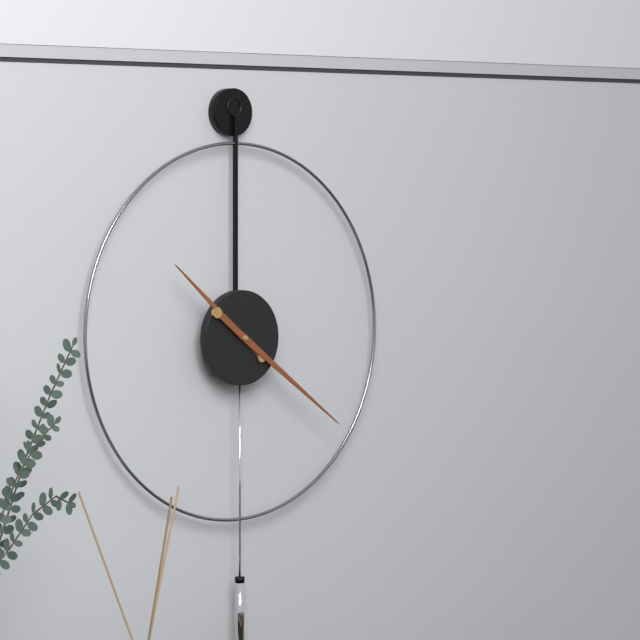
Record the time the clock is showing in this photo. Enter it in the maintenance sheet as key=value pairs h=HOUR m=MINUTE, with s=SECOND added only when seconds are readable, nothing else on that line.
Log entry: h=10 m=21
